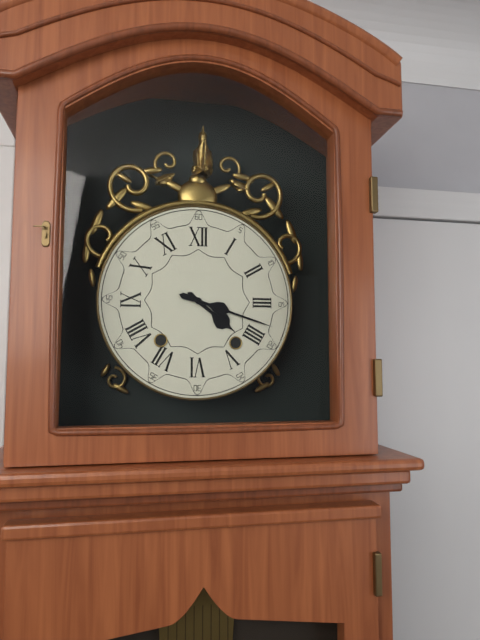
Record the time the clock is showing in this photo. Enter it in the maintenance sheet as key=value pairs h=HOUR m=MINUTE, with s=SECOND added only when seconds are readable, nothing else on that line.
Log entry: h=4 m=18
